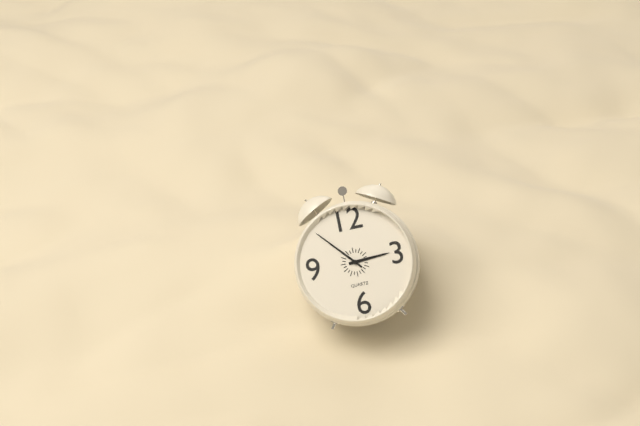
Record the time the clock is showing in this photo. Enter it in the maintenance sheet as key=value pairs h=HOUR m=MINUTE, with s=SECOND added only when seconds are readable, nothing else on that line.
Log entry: h=2 m=53
